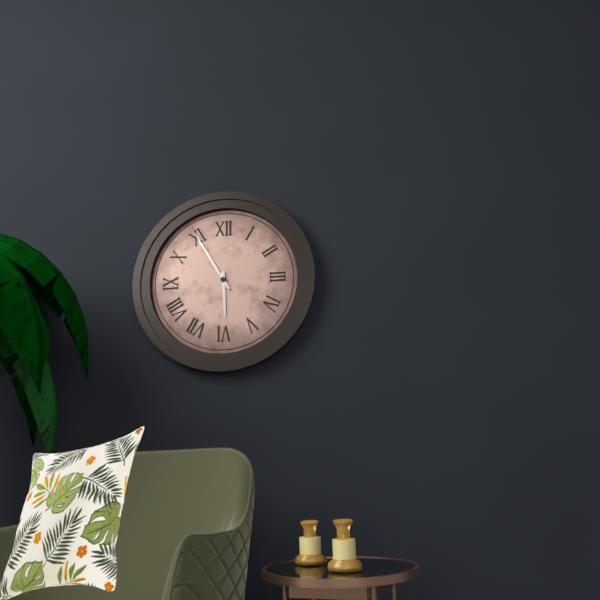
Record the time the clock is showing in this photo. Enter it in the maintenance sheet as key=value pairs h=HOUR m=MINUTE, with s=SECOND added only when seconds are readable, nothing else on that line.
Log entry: h=5 m=55
